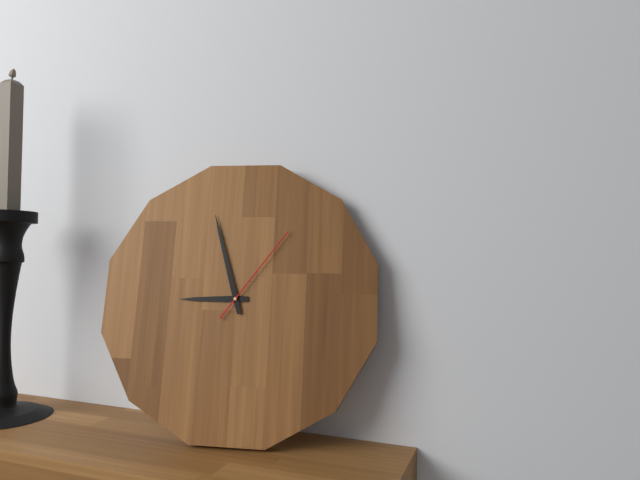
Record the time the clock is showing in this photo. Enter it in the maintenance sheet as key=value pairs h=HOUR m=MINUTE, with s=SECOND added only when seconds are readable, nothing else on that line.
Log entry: h=8 m=57 s=6
